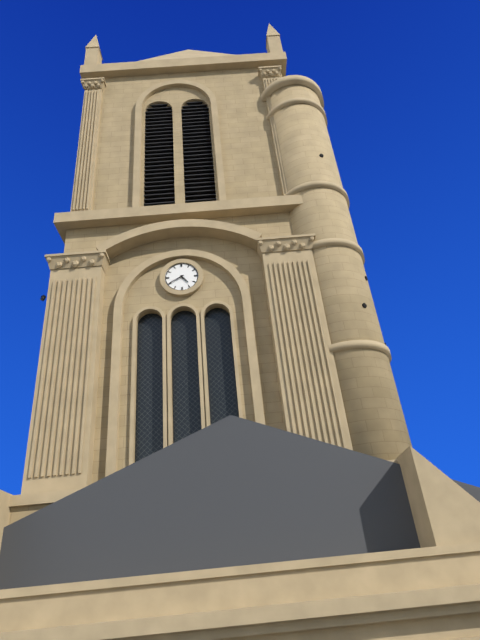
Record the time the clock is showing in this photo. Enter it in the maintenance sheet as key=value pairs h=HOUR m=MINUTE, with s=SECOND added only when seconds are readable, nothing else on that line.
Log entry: h=4 m=40
